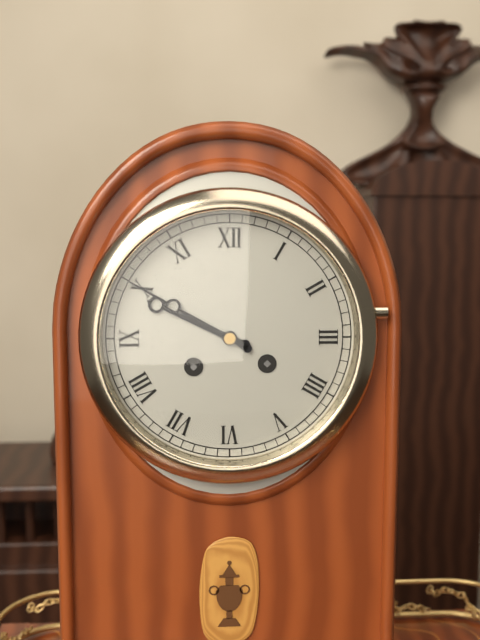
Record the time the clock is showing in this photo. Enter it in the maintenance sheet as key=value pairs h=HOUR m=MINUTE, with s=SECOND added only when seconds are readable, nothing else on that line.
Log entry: h=9 m=50
